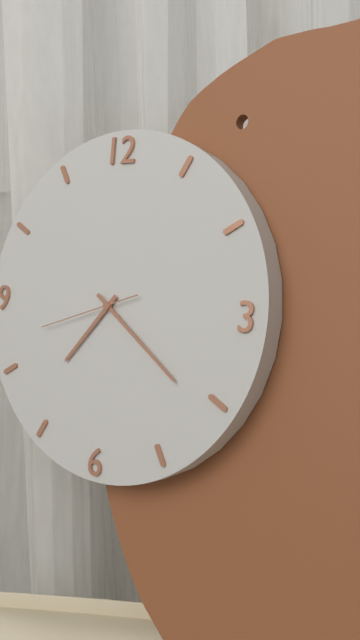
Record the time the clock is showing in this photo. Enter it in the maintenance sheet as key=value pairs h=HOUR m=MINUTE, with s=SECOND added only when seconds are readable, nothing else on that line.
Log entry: h=7 m=21 s=42
